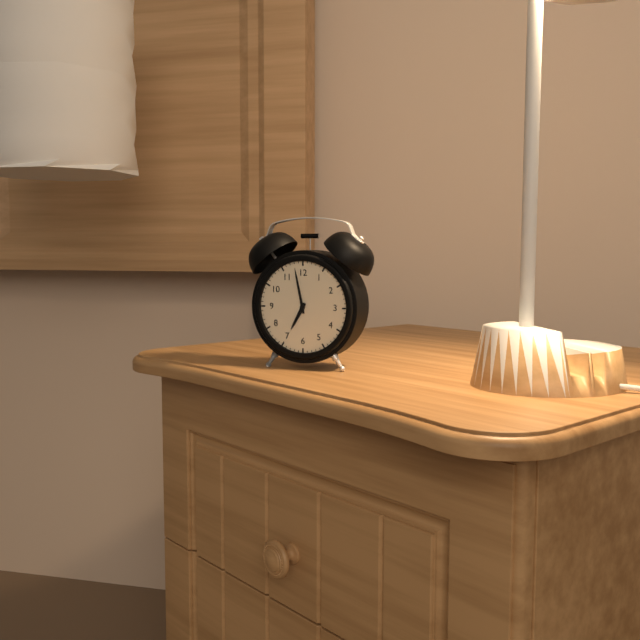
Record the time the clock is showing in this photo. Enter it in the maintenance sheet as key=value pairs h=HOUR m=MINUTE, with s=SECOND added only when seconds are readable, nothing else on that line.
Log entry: h=6 m=58
